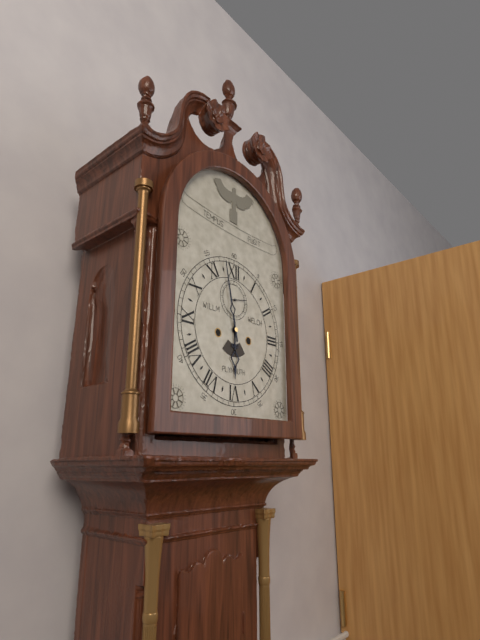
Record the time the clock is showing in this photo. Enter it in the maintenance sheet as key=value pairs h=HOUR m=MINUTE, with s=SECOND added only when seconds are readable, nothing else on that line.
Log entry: h=5 m=58
